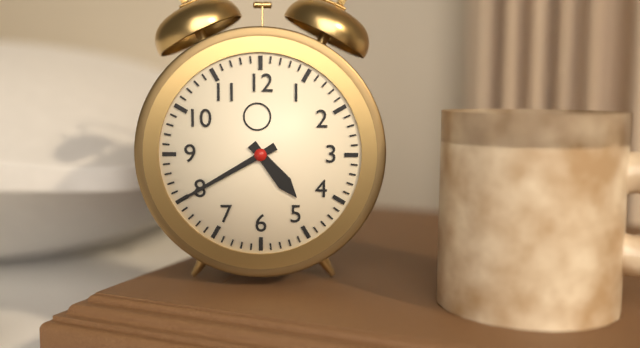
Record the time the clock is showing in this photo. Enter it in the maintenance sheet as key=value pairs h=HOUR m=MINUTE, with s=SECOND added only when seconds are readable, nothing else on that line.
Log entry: h=4 m=40
